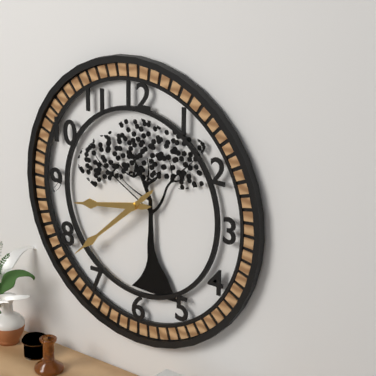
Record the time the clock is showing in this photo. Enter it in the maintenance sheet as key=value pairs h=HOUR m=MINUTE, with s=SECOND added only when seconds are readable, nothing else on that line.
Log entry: h=8 m=38
